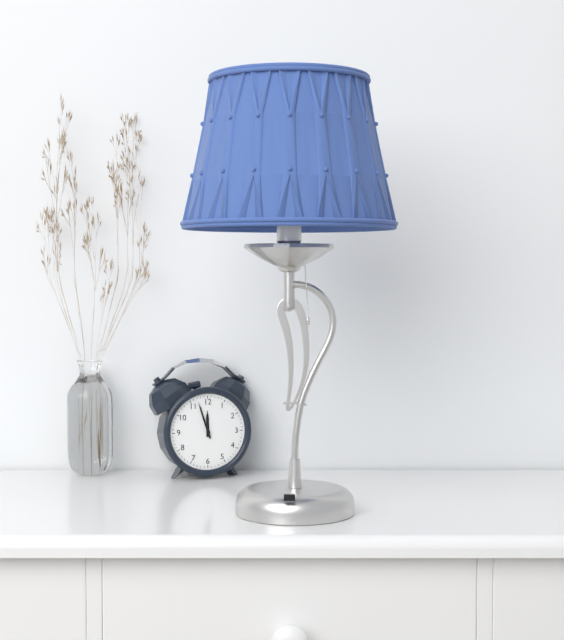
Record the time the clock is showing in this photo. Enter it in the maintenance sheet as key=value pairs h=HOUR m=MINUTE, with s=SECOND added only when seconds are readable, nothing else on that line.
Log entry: h=11 m=57
